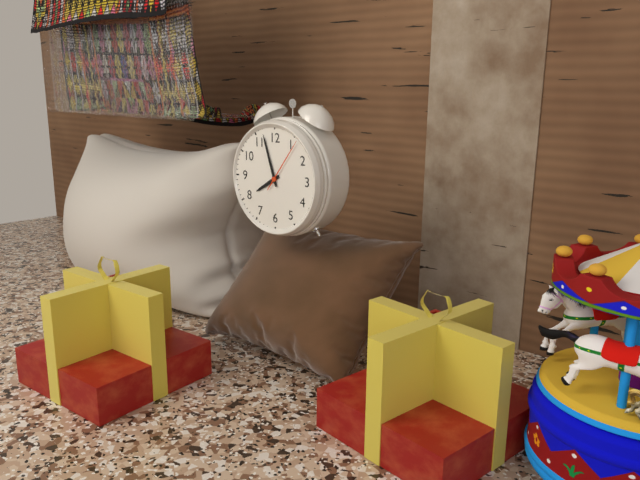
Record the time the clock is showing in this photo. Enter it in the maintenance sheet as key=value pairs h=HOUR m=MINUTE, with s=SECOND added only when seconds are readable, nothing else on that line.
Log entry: h=7 m=57 s=6
